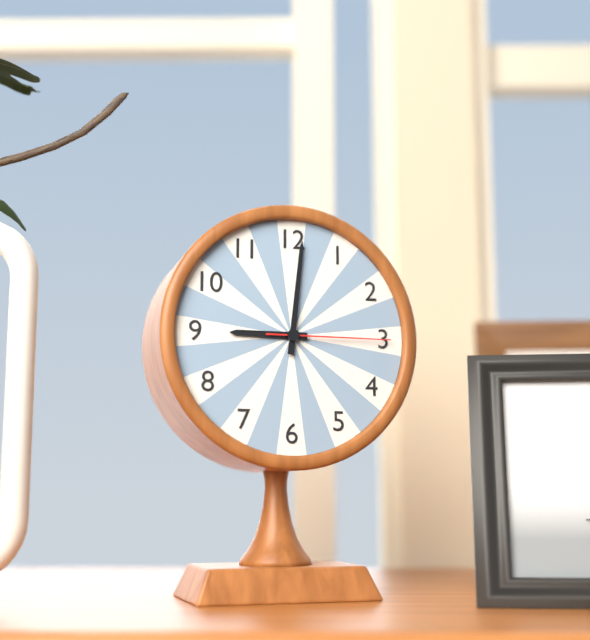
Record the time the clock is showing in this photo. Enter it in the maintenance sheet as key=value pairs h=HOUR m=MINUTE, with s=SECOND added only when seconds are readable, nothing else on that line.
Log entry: h=9 m=1 s=15
